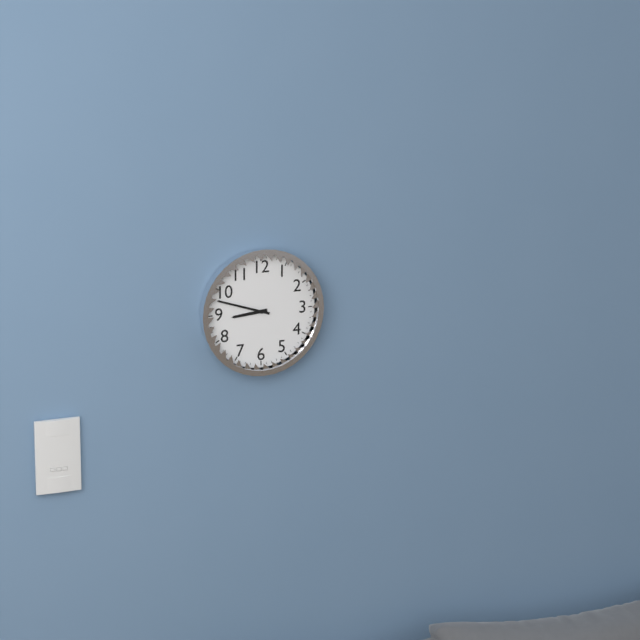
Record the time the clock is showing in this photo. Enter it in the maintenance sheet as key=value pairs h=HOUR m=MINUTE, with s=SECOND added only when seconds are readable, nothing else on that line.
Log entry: h=8 m=48
